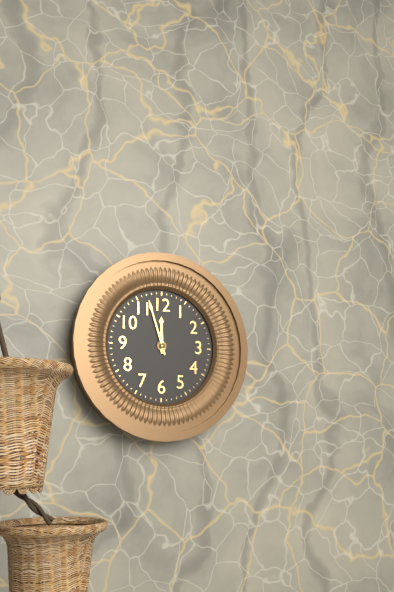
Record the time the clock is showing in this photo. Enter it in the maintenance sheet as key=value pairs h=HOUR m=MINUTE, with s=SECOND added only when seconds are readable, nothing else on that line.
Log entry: h=11 m=57
